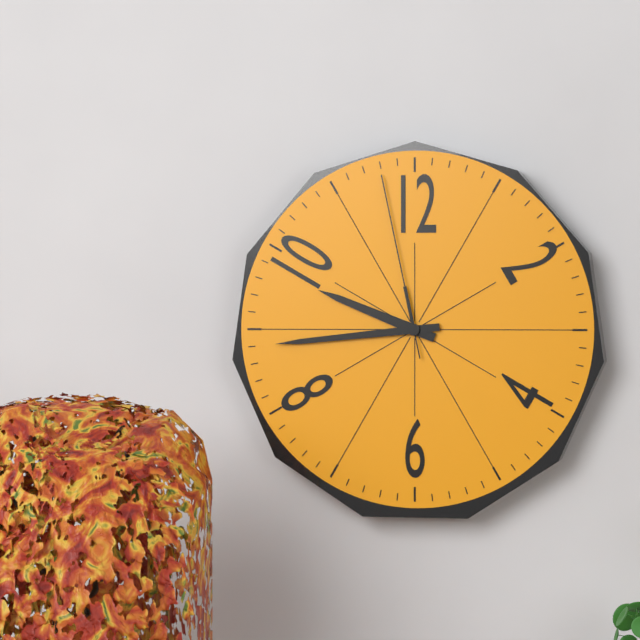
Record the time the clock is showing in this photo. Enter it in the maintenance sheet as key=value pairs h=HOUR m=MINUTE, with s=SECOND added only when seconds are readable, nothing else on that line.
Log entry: h=9 m=44 s=58
